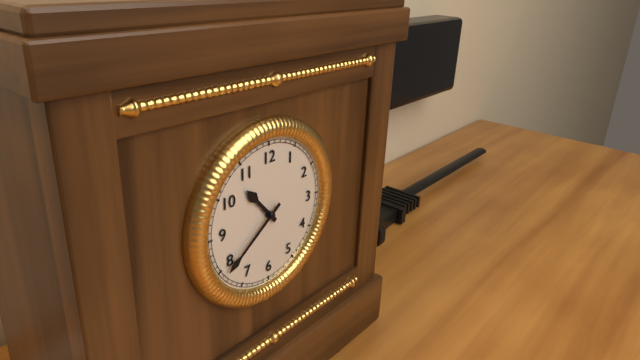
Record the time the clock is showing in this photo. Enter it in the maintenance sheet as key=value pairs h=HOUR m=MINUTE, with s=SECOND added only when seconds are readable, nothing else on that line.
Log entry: h=10 m=39
